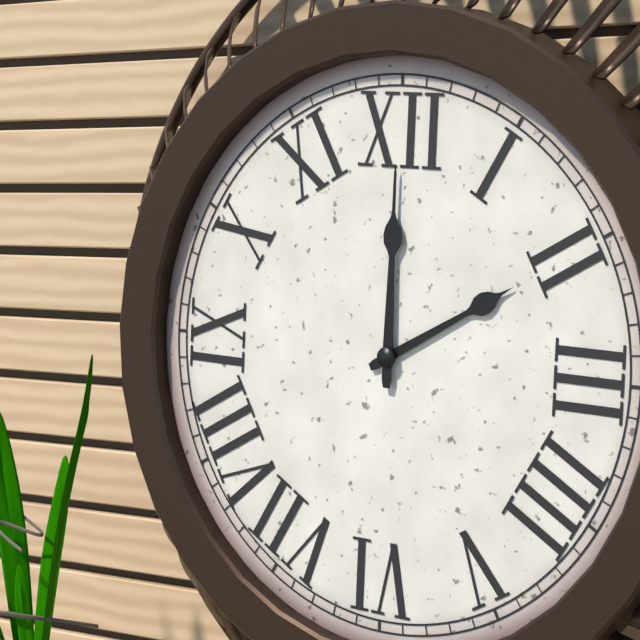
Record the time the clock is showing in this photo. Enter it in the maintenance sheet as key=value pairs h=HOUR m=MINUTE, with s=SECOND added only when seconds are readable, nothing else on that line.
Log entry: h=2 m=0
